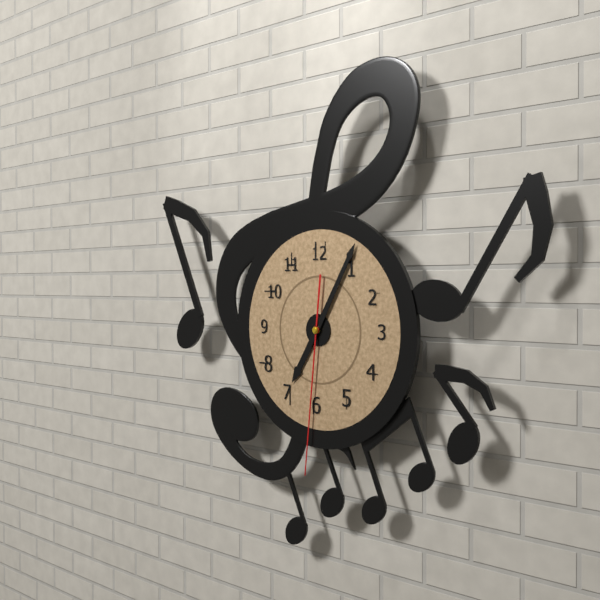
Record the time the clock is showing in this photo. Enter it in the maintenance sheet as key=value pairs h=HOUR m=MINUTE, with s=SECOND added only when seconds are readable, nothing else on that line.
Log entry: h=7 m=5 s=31
